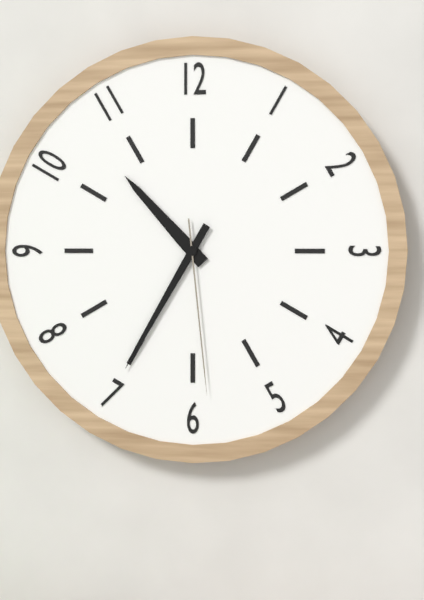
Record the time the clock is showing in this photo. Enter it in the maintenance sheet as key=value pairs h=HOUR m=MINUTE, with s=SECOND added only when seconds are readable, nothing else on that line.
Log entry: h=10 m=35 s=29
